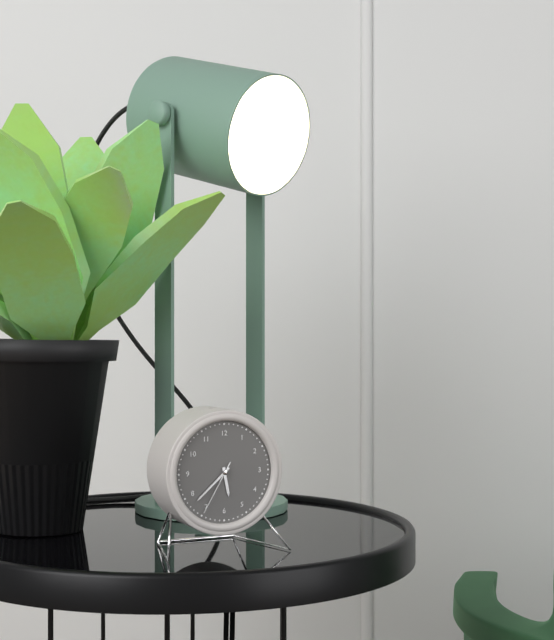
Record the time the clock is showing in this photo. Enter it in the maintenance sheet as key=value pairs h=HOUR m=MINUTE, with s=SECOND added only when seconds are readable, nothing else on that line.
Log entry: h=5 m=38 s=35
